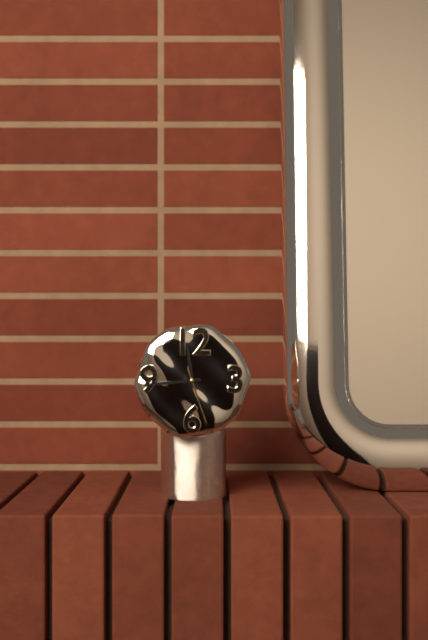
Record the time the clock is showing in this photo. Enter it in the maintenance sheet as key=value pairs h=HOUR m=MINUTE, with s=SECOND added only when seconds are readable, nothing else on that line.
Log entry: h=11 m=44 s=27
